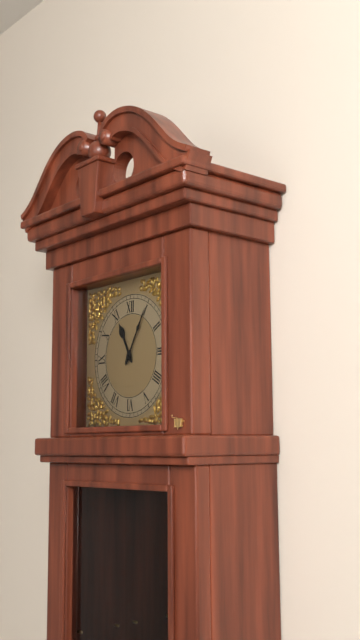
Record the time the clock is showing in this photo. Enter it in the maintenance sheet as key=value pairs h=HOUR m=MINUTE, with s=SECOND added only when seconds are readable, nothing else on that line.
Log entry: h=11 m=5
